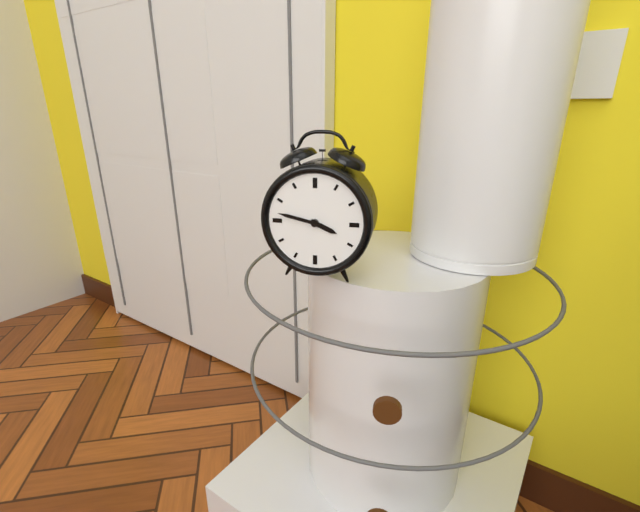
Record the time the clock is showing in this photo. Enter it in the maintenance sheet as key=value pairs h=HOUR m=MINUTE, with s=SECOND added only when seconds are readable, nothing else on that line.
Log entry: h=3 m=47
